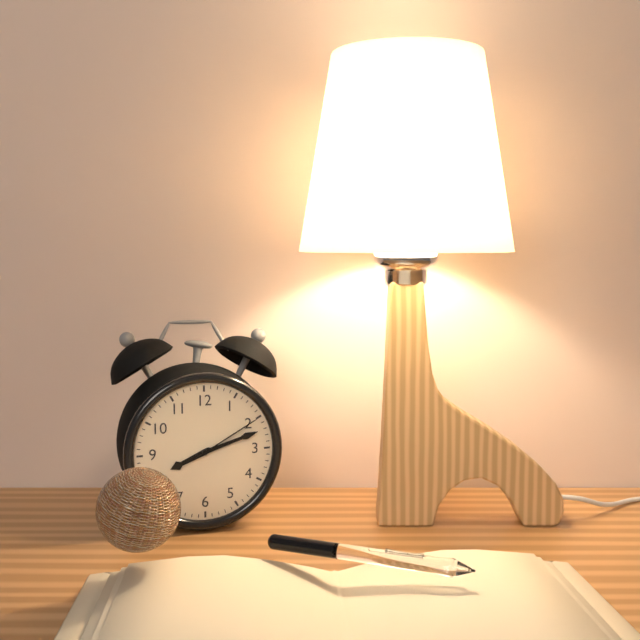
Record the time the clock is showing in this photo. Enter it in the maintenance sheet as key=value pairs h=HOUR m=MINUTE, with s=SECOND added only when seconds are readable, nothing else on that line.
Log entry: h=8 m=12 s=10
